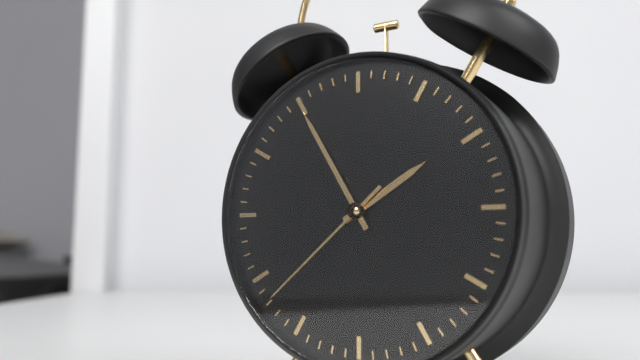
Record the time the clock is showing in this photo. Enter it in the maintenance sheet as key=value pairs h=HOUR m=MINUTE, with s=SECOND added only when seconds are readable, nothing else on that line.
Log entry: h=1 m=55 s=38
